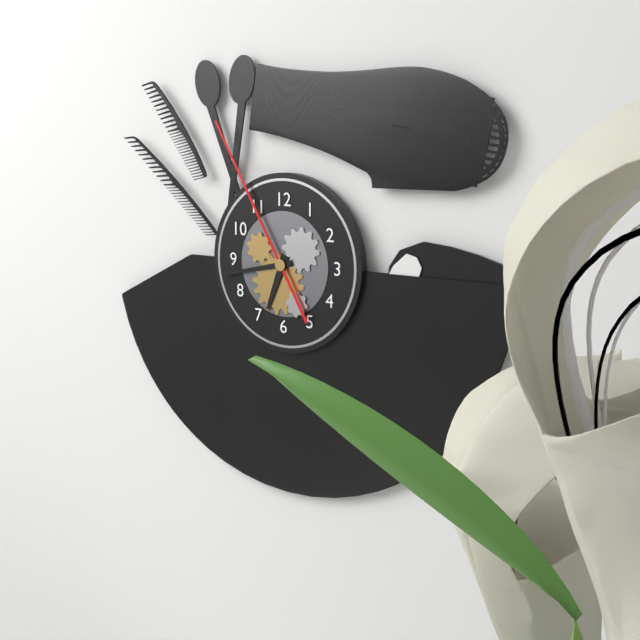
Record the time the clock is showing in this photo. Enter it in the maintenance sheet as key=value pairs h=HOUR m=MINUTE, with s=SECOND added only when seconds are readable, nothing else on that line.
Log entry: h=6 m=43 s=55
